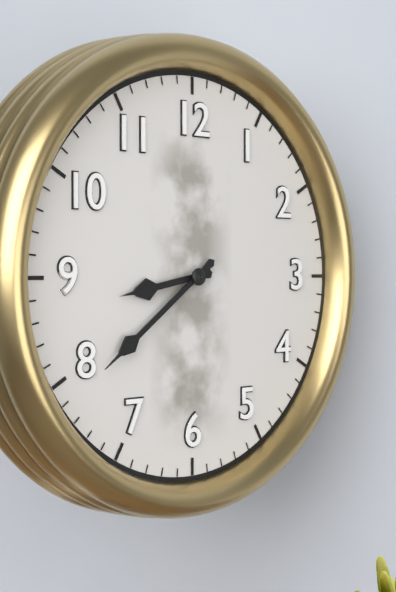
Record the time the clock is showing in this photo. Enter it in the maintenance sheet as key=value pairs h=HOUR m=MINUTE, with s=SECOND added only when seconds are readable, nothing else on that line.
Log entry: h=8 m=39
